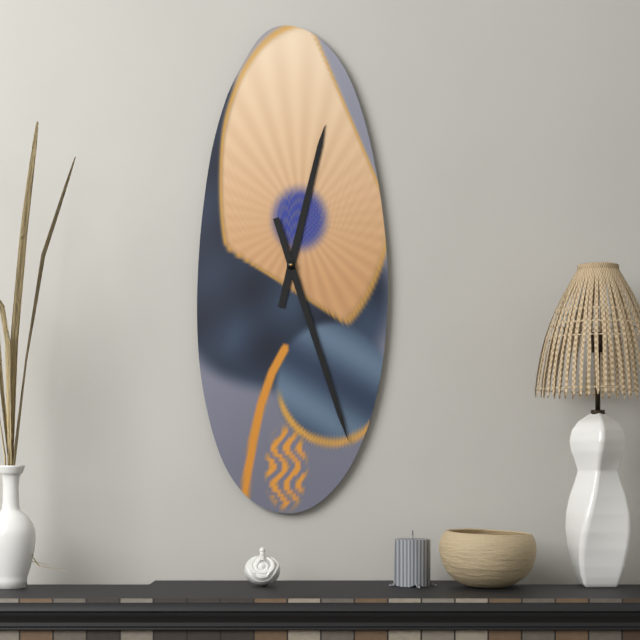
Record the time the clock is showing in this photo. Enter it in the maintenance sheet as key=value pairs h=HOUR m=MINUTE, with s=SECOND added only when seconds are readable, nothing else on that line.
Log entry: h=12 m=27
